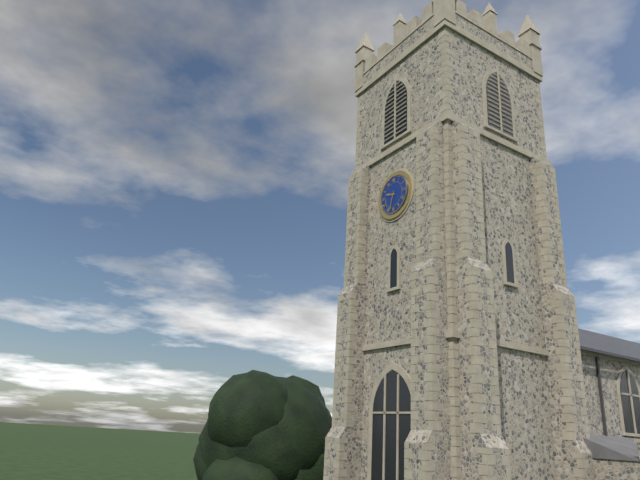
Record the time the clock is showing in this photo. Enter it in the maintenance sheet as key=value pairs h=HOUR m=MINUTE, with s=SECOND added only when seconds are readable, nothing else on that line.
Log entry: h=9 m=33
